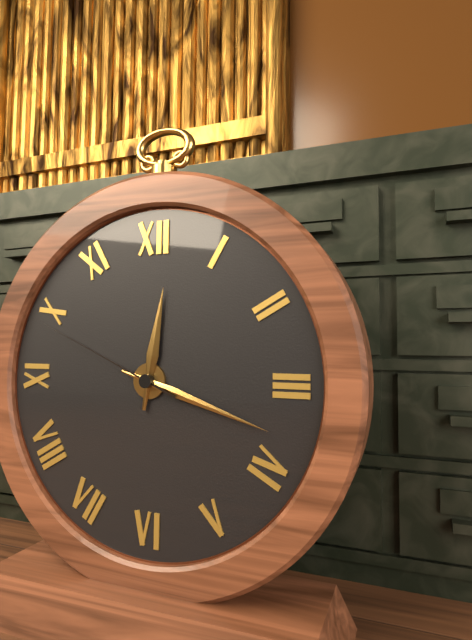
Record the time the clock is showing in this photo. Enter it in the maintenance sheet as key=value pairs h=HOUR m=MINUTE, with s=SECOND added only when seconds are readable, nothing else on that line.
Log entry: h=12 m=18 s=49
